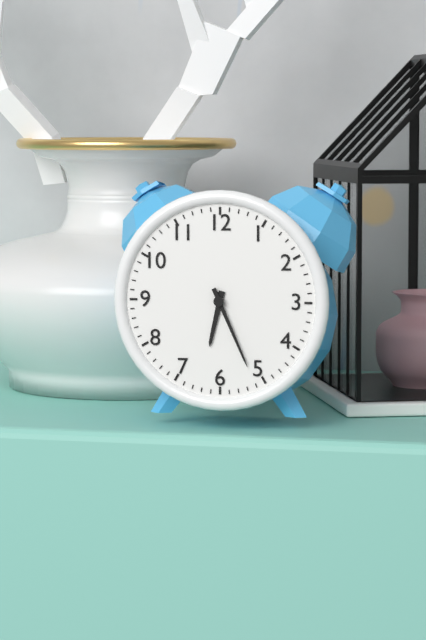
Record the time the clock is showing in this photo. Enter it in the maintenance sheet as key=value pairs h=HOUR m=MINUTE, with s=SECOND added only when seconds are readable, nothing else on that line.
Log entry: h=6 m=26
